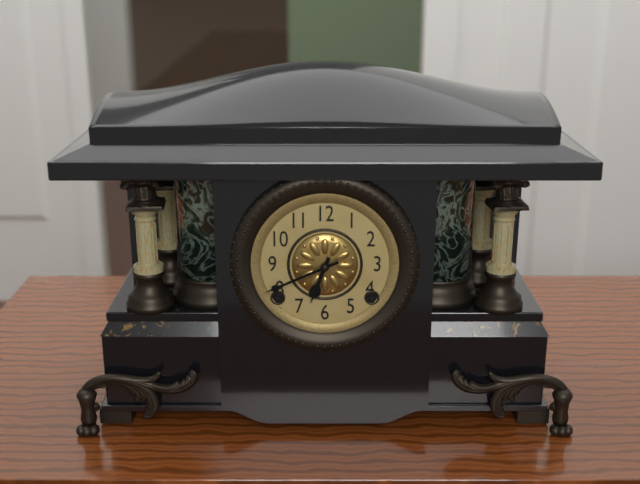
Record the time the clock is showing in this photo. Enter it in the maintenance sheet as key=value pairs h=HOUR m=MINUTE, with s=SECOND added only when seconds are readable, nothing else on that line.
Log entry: h=6 m=41
